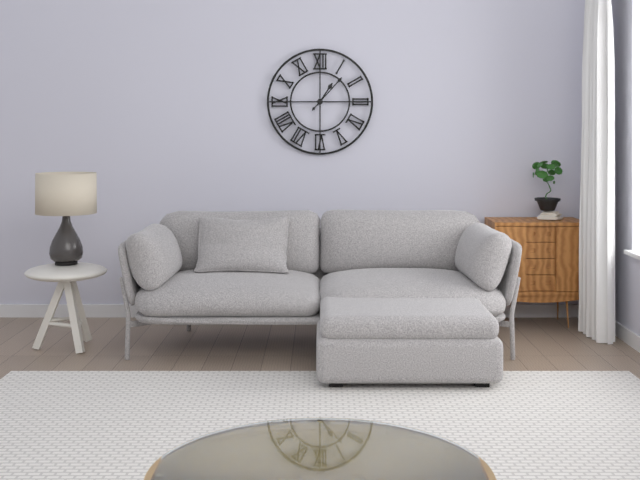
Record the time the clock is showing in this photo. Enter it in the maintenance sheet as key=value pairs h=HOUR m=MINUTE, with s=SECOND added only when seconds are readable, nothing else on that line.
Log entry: h=1 m=7
